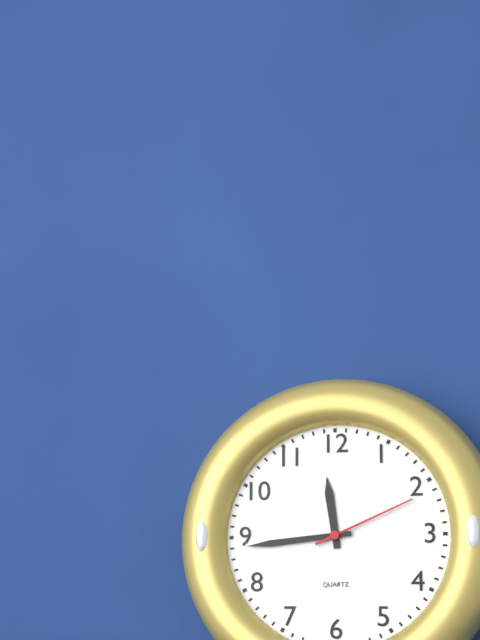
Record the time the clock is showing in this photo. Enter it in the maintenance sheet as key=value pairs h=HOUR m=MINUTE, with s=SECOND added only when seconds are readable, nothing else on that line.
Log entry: h=11 m=44 s=11
